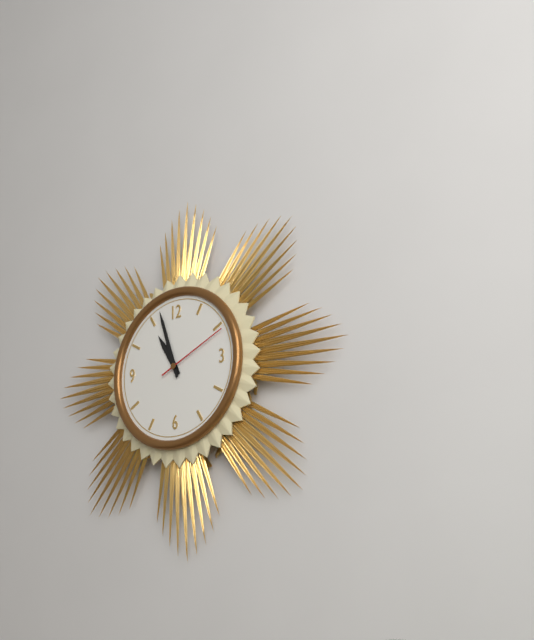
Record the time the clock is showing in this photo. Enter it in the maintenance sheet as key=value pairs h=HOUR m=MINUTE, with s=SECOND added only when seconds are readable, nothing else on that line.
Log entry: h=10 m=57 s=11
